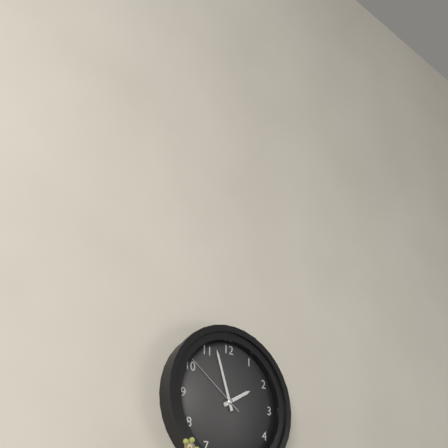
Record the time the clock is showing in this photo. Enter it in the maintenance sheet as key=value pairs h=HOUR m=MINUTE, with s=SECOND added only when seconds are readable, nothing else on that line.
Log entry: h=1 m=57 s=51
